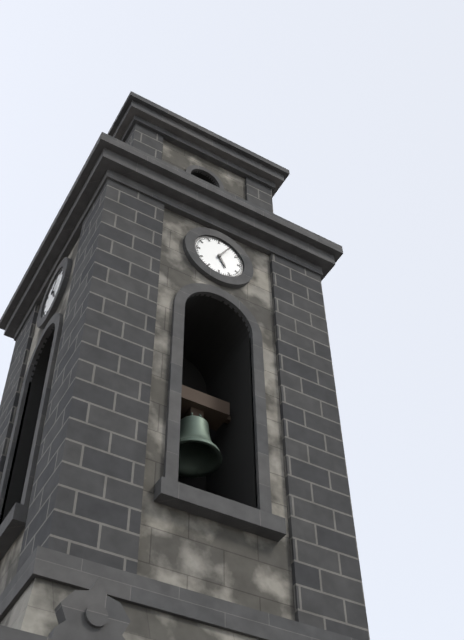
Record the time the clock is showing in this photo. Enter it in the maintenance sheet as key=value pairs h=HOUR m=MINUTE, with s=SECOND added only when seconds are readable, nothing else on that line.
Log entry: h=5 m=5
